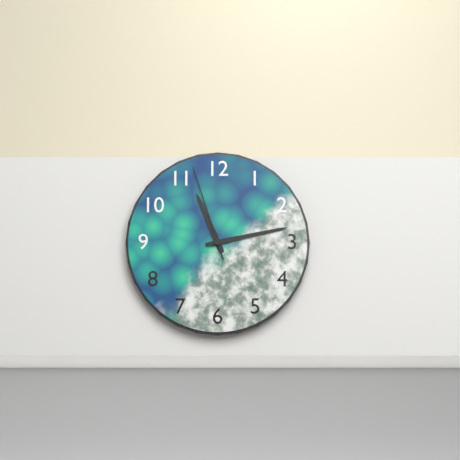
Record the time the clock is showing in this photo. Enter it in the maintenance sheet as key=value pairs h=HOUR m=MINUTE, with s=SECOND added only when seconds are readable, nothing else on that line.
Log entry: h=11 m=13 s=57
